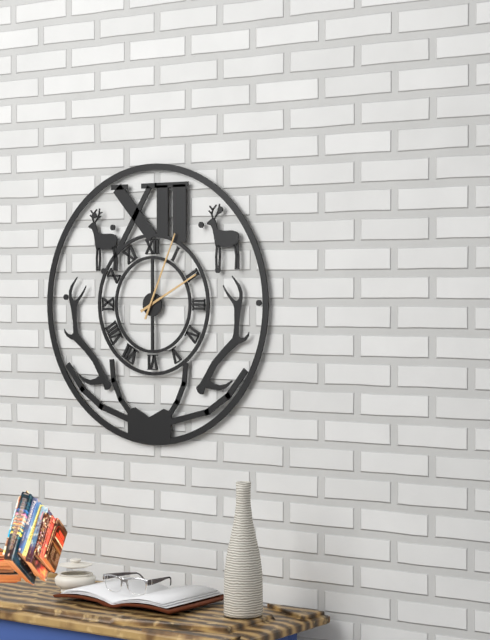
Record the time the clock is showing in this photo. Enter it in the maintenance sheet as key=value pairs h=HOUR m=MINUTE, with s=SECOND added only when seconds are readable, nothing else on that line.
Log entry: h=2 m=4
